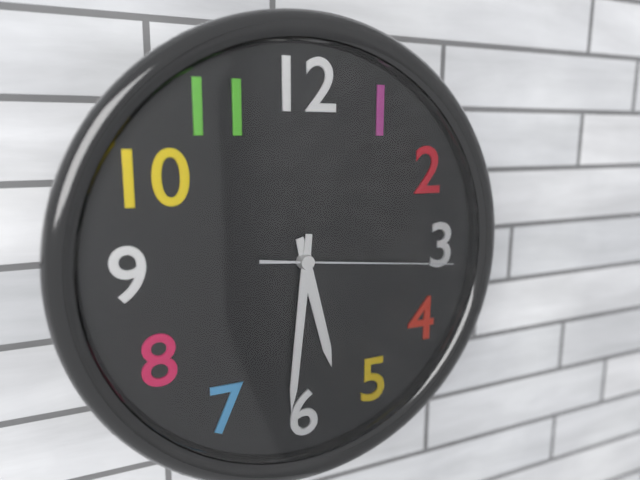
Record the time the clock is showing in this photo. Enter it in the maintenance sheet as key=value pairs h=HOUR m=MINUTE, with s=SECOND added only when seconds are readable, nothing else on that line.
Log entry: h=5 m=31 s=16
